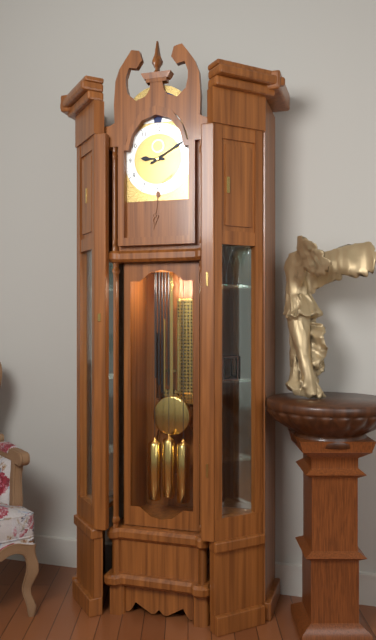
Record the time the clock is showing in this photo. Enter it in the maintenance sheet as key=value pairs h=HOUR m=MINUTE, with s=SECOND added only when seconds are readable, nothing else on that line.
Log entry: h=9 m=10
